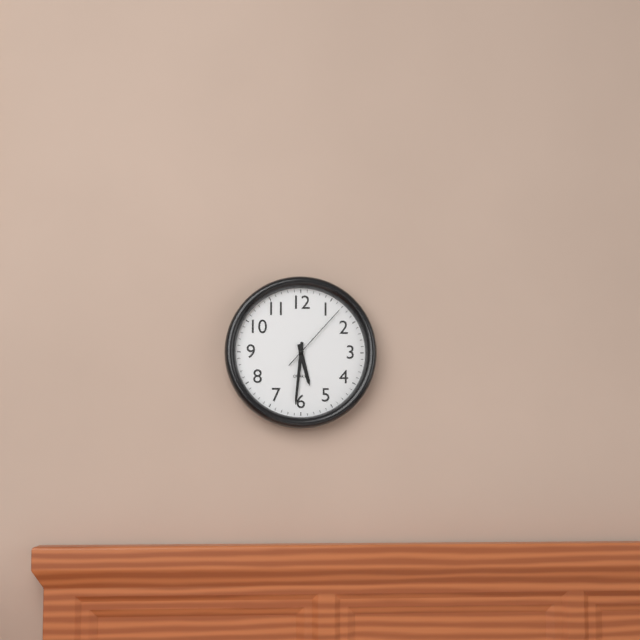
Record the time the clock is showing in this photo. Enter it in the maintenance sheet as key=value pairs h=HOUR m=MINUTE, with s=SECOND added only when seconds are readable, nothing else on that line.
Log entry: h=5 m=31 s=7
